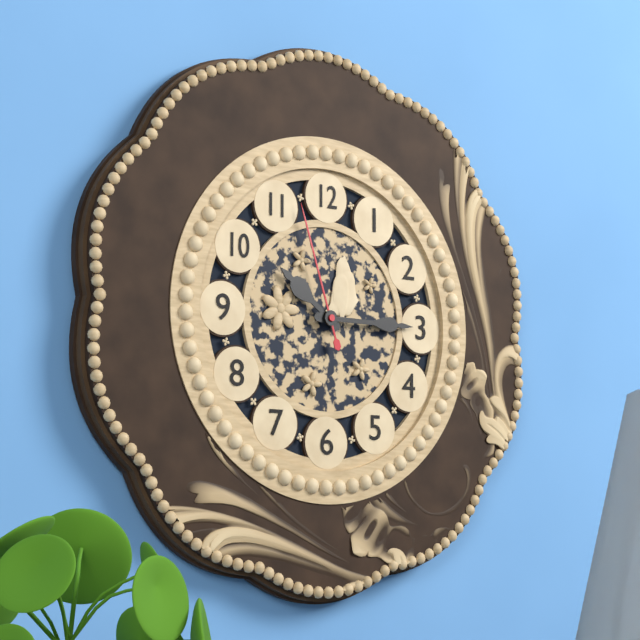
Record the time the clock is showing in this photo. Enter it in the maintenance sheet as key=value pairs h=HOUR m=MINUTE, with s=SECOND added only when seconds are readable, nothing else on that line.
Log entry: h=10 m=15 s=57
